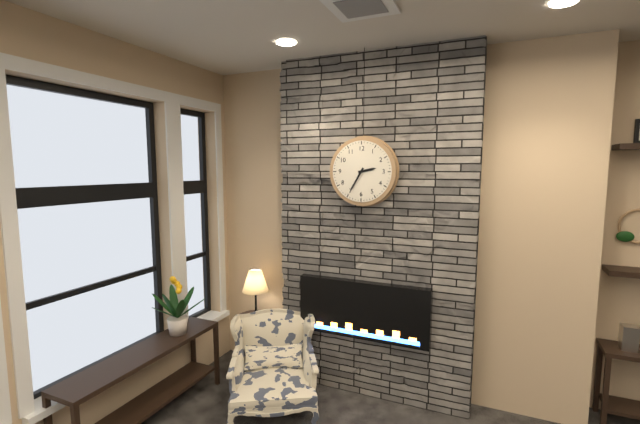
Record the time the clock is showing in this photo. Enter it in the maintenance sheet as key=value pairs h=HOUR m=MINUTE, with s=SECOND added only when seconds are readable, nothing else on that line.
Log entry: h=2 m=35
